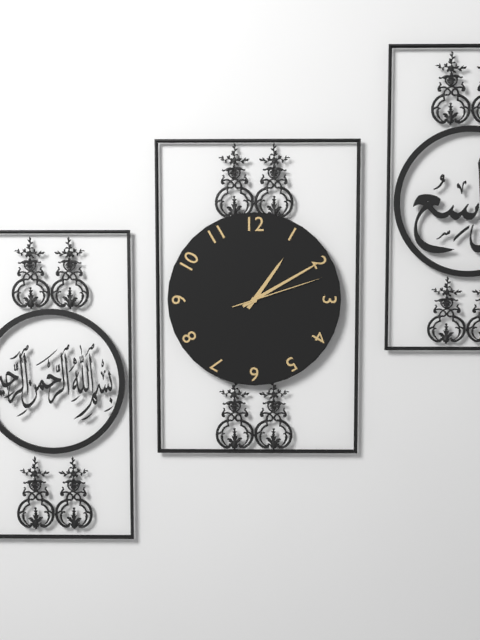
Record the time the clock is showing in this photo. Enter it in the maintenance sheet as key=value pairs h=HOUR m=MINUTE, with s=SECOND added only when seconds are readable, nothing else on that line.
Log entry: h=1 m=10 s=12
